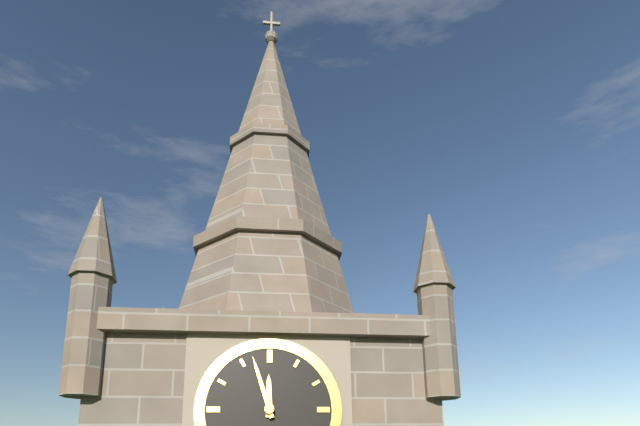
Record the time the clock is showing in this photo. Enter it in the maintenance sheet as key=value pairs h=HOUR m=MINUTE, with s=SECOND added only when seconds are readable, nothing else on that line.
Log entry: h=11 m=57
